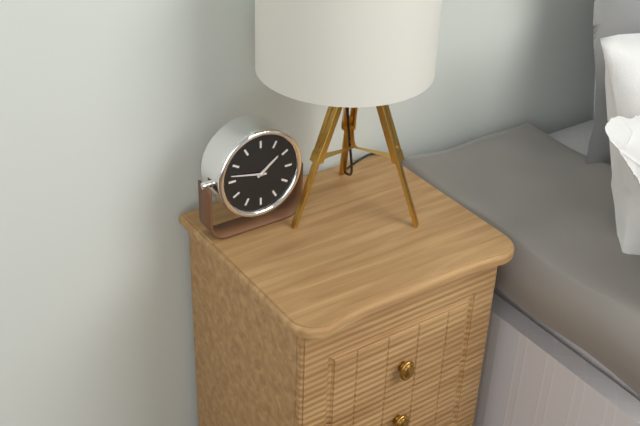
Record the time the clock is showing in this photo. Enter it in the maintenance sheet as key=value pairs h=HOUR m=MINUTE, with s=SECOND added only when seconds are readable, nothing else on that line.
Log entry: h=1 m=47
